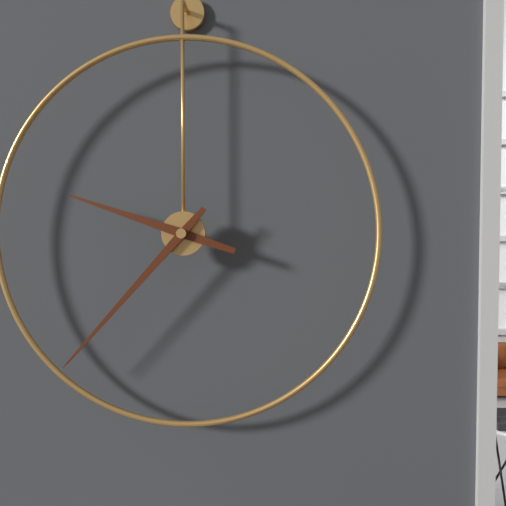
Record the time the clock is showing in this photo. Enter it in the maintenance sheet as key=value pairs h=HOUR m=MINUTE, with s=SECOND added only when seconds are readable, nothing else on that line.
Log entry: h=9 m=37
